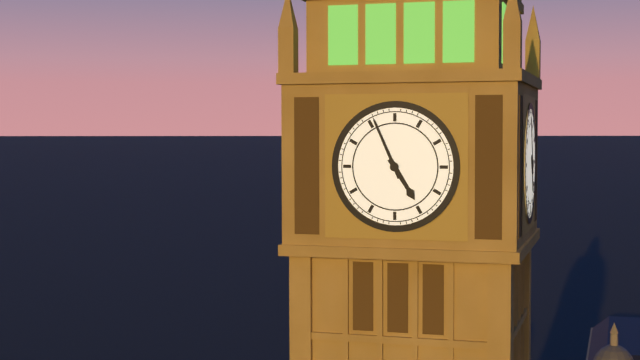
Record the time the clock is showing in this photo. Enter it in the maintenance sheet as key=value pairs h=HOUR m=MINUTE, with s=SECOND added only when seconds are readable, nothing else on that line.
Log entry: h=4 m=56
